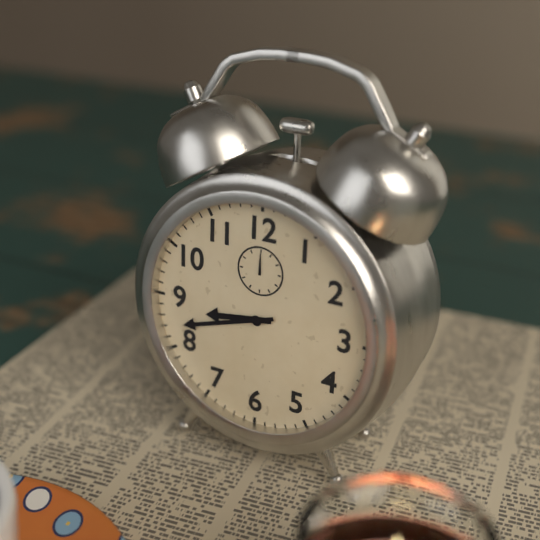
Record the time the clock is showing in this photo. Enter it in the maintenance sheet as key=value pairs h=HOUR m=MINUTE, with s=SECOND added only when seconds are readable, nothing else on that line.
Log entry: h=8 m=42
